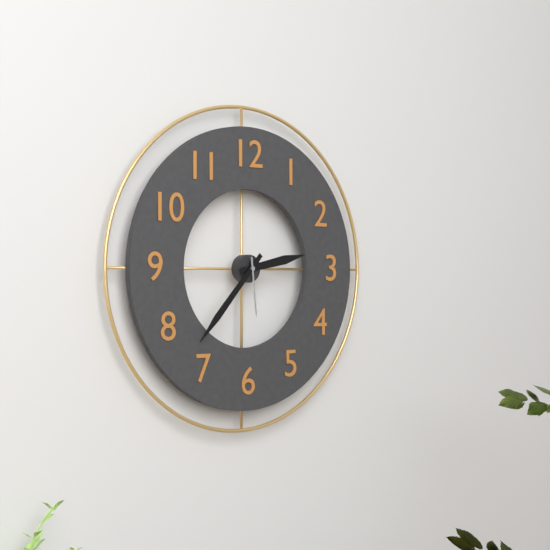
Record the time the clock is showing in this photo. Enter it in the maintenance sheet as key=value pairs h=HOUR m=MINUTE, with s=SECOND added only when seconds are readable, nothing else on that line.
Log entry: h=2 m=37 s=29
